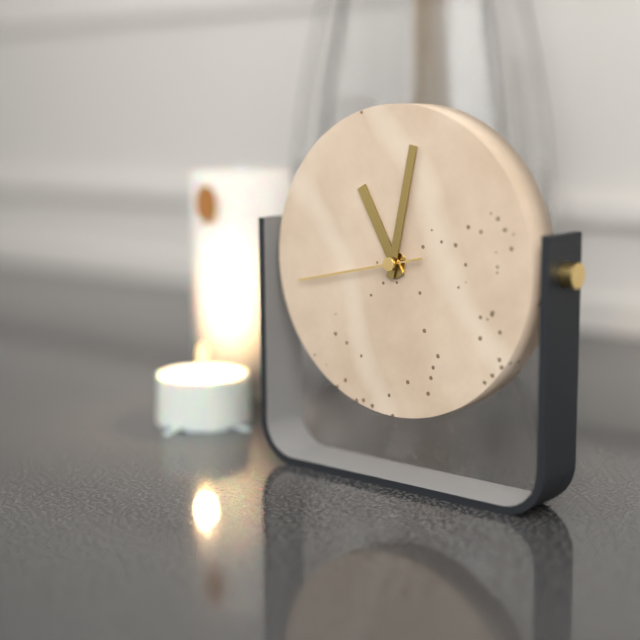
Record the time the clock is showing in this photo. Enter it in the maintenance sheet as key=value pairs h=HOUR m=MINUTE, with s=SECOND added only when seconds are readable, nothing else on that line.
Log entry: h=11 m=2 s=43
